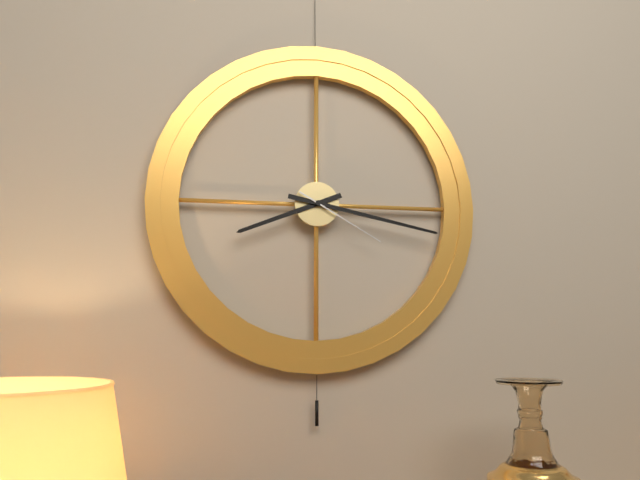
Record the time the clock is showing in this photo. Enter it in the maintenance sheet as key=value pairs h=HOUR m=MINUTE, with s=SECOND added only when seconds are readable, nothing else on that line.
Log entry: h=8 m=17 s=20
